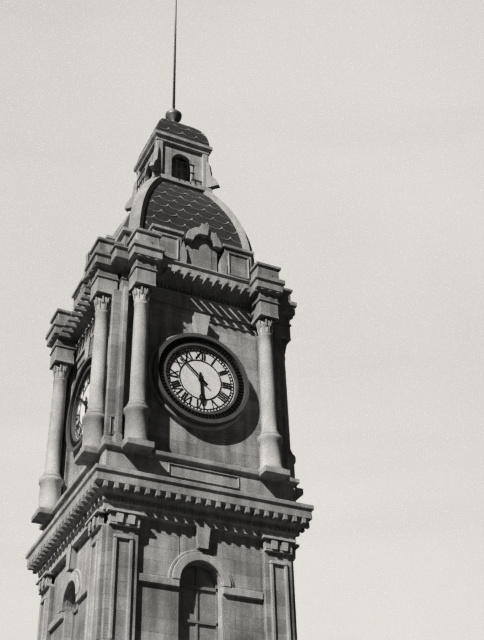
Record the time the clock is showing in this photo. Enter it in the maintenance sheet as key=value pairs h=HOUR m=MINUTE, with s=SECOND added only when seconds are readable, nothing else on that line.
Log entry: h=5 m=52
